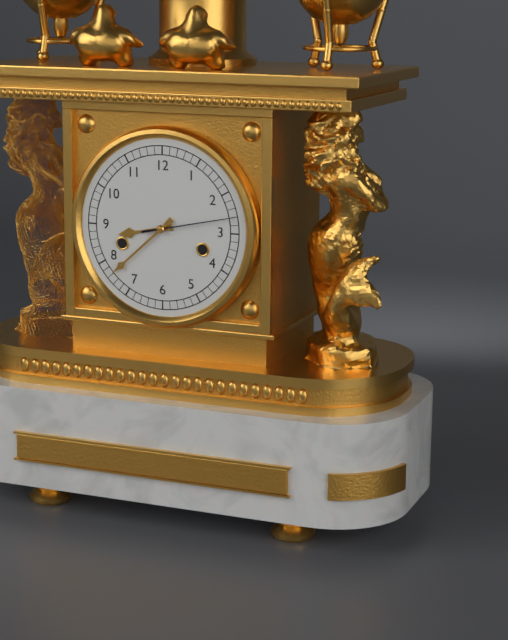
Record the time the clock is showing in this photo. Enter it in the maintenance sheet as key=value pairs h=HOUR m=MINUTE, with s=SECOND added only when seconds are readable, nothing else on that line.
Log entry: h=8 m=38 s=13
